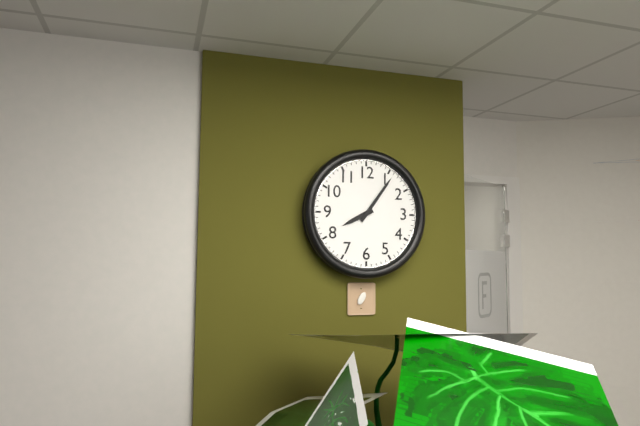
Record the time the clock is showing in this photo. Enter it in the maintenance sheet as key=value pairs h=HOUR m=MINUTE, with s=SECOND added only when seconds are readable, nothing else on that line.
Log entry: h=8 m=6
